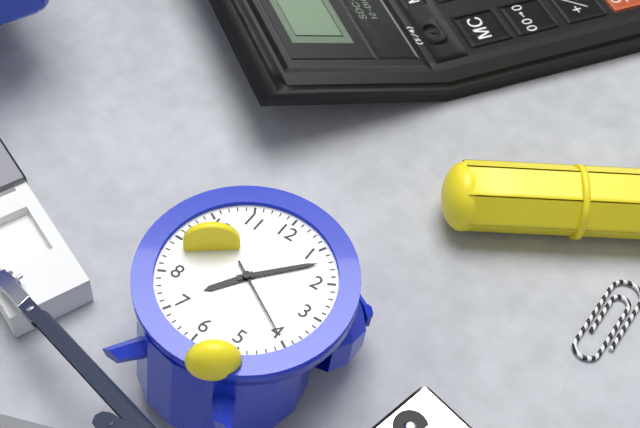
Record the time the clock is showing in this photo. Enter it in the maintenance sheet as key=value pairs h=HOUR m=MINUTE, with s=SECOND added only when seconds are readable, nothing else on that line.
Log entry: h=7 m=7 s=20
